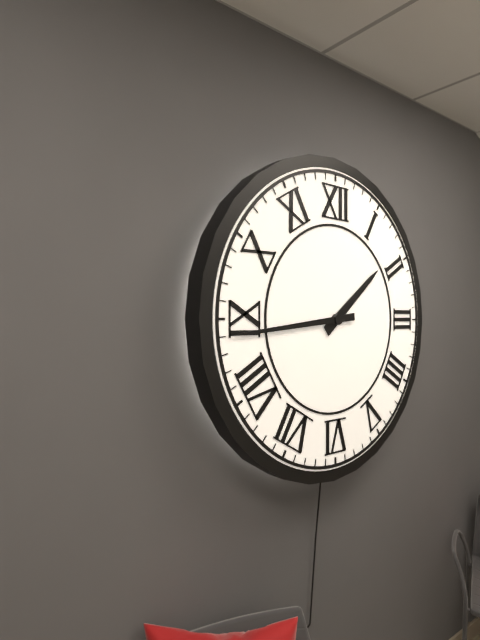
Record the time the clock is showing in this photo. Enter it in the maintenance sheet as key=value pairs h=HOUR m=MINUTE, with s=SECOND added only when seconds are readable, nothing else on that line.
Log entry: h=1 m=44
